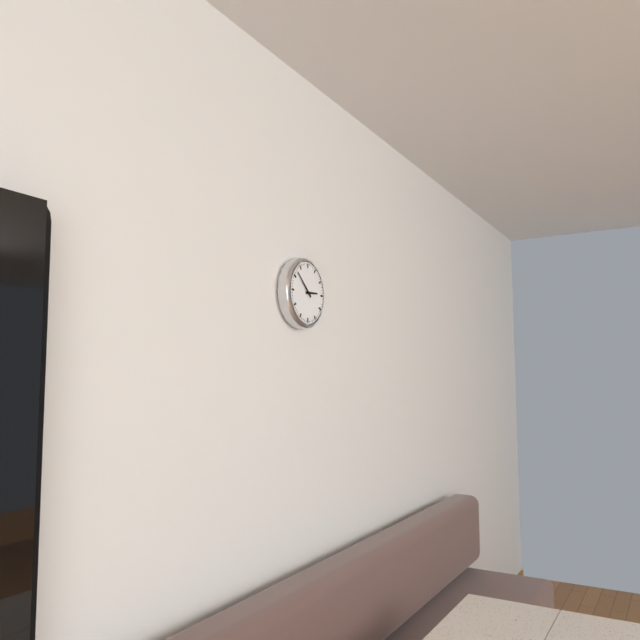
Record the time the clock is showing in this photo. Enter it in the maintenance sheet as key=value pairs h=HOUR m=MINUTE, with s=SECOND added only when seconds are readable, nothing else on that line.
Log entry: h=2 m=52
